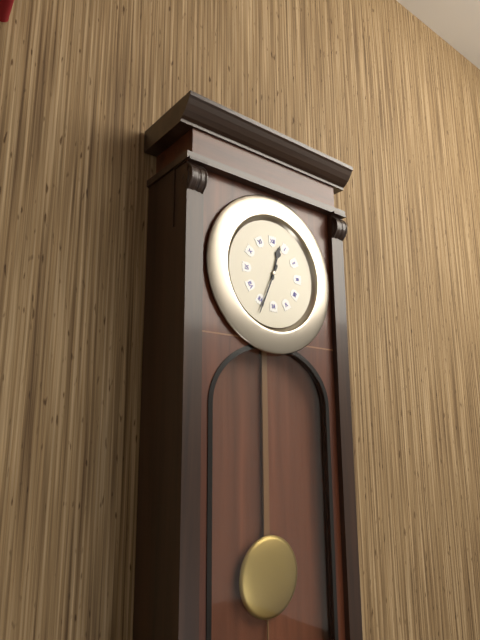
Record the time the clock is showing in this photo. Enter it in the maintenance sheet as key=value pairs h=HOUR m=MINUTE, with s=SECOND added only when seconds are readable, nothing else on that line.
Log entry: h=12 m=34
